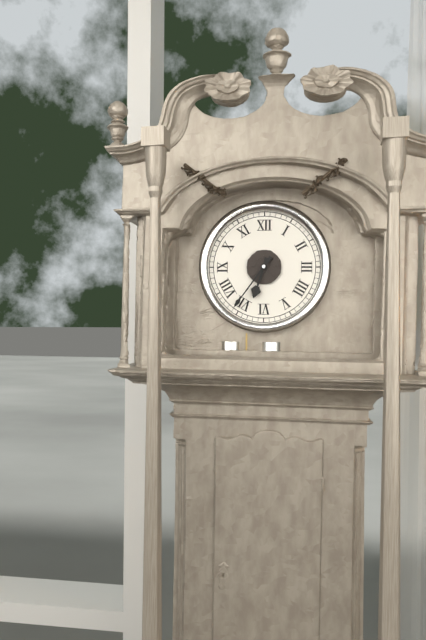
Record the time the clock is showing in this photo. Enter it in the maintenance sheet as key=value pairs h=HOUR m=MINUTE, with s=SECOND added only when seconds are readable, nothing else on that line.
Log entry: h=6 m=36
